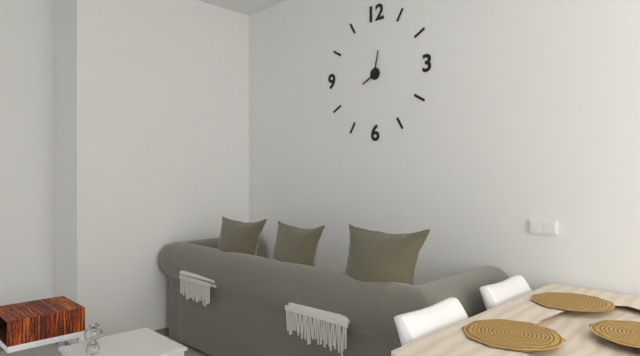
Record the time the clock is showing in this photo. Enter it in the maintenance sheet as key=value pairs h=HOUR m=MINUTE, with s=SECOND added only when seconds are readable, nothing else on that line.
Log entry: h=8 m=2
